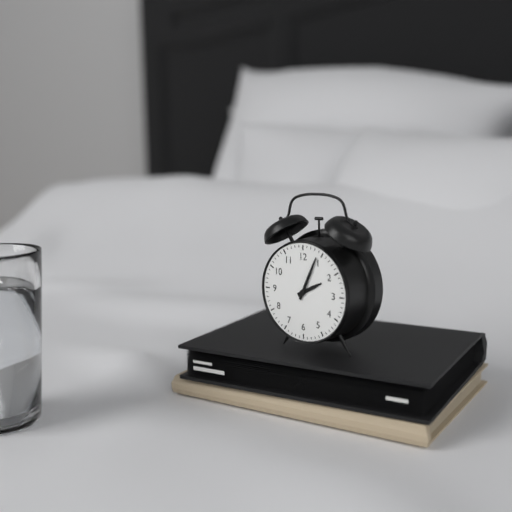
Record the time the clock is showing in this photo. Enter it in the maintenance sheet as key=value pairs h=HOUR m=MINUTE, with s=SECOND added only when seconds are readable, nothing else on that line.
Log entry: h=2 m=4
